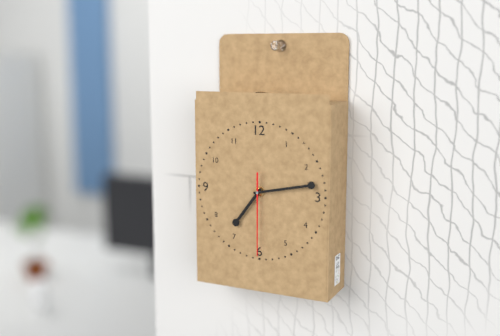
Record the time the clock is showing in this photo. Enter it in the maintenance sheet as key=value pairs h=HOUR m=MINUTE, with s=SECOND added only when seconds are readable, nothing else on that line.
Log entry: h=7 m=13 s=30
